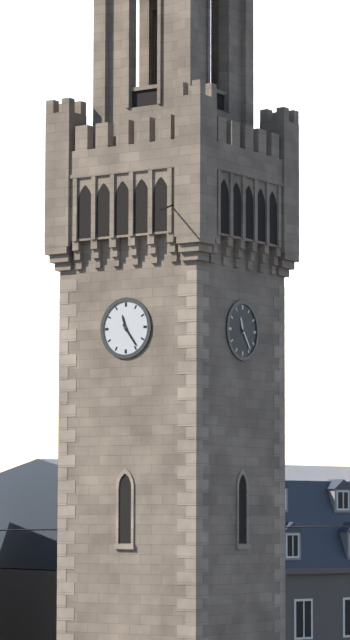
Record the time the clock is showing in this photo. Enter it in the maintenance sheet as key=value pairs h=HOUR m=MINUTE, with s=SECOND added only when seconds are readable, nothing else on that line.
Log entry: h=11 m=24
